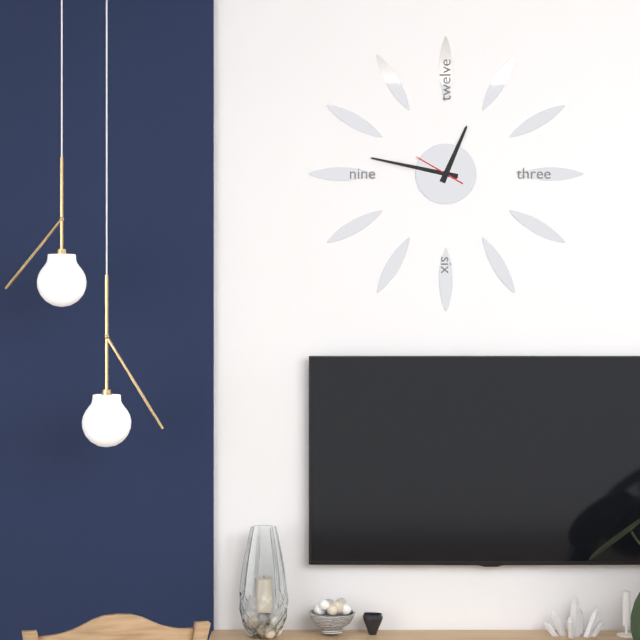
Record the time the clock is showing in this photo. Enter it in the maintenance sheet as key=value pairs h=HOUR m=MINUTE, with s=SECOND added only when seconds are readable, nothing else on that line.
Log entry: h=12 m=47
